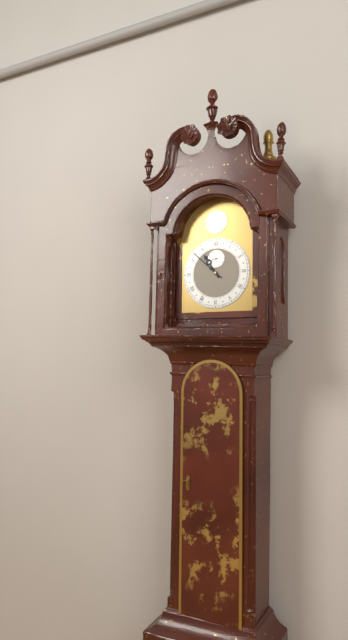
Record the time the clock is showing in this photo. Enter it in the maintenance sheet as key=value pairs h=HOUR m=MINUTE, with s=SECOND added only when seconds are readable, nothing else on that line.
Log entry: h=10 m=52
